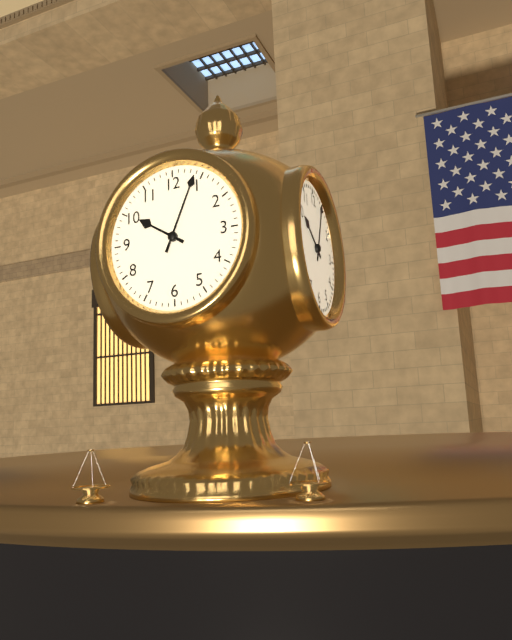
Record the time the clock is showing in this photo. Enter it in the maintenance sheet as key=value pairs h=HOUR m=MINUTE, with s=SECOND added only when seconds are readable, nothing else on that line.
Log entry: h=10 m=4
